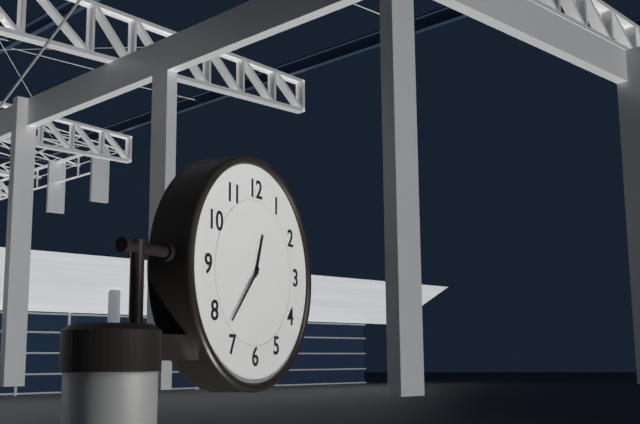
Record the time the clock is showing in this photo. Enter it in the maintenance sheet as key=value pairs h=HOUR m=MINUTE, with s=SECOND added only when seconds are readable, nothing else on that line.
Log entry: h=12 m=37
